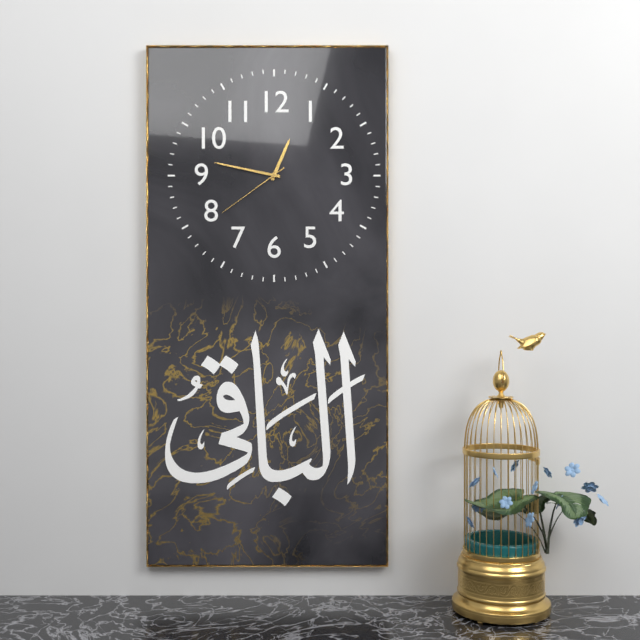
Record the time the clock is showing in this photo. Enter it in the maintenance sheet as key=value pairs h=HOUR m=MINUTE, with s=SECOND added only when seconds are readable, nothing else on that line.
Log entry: h=12 m=47 s=39
